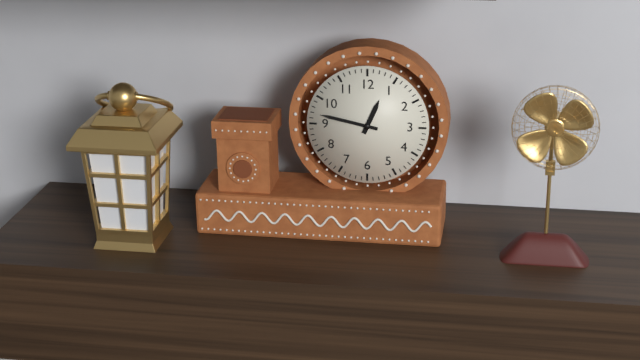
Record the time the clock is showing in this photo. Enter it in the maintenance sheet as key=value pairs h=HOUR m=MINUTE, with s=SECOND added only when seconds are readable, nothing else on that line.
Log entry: h=12 m=47
